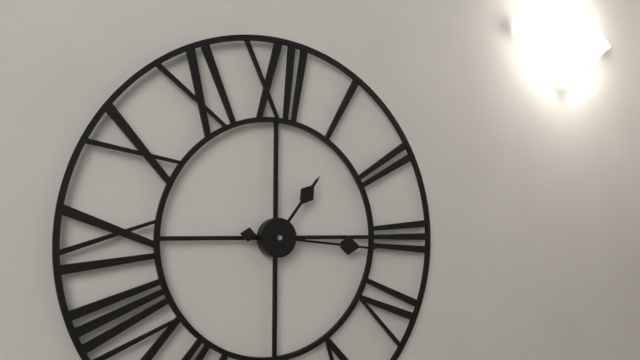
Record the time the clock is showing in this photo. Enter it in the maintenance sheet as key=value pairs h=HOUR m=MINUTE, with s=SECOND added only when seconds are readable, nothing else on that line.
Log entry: h=1 m=16
